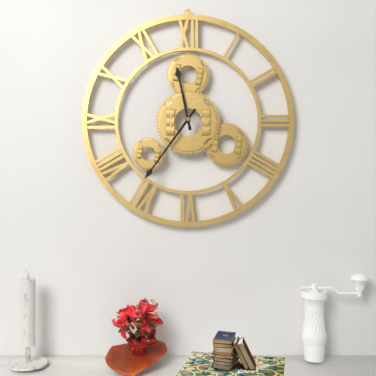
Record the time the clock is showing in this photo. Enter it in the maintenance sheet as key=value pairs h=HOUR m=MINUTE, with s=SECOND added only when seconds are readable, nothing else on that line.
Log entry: h=11 m=36
